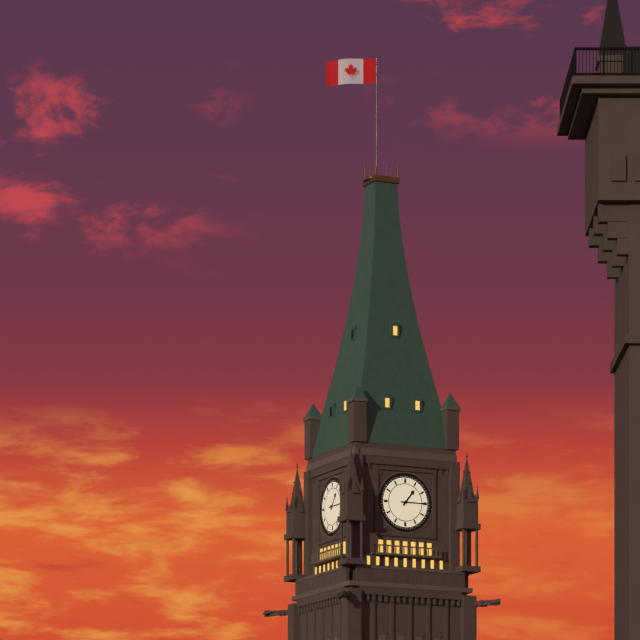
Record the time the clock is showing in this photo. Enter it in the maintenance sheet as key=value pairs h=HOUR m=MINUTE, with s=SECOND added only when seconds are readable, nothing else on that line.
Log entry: h=1 m=15
